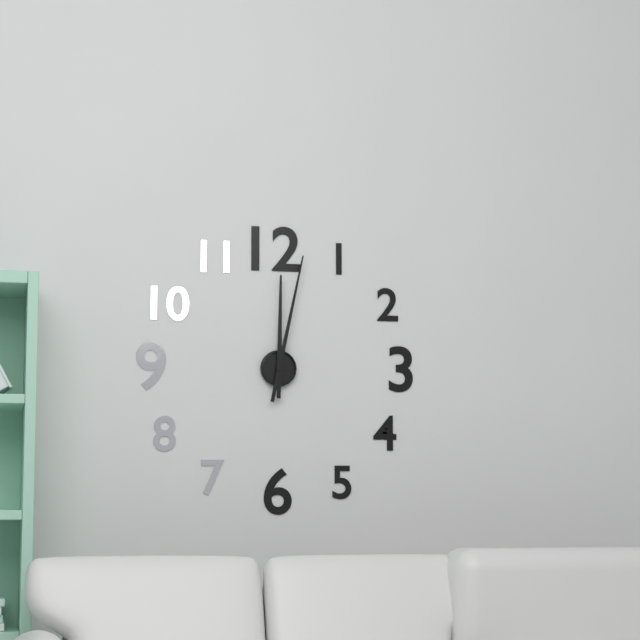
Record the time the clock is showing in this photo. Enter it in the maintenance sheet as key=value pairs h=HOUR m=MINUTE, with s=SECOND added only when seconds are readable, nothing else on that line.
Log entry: h=12 m=2
